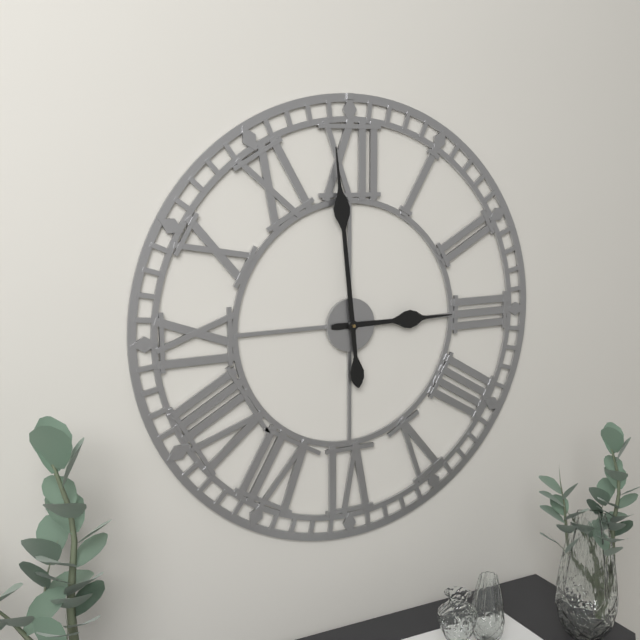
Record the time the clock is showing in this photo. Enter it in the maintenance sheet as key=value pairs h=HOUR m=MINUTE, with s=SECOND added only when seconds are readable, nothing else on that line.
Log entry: h=2 m=59
